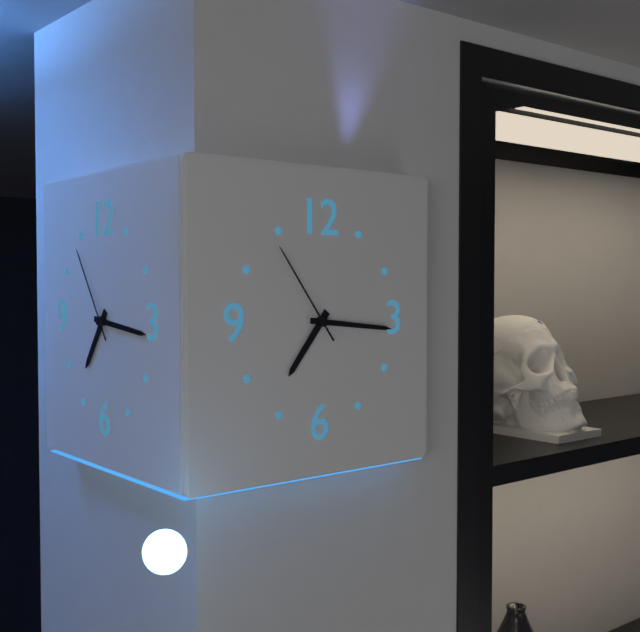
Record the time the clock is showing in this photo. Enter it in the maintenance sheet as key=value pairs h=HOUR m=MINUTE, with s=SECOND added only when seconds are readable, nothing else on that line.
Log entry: h=7 m=16 s=54
